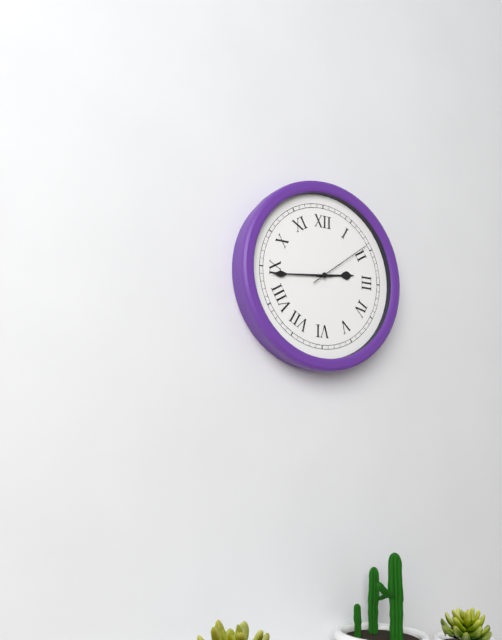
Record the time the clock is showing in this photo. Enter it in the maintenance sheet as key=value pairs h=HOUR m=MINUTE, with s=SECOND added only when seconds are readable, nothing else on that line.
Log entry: h=2 m=44 s=9
